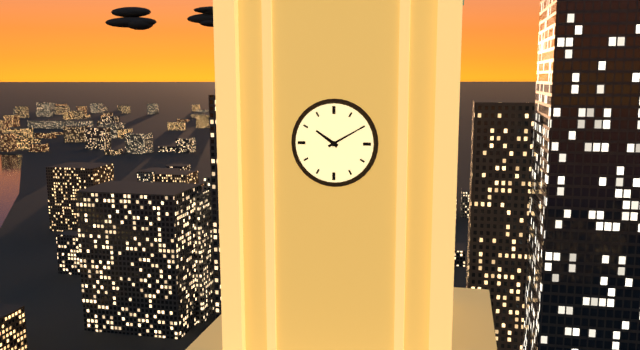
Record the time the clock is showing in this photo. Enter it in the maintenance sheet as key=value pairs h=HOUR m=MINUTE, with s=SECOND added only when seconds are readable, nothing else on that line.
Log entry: h=10 m=10
